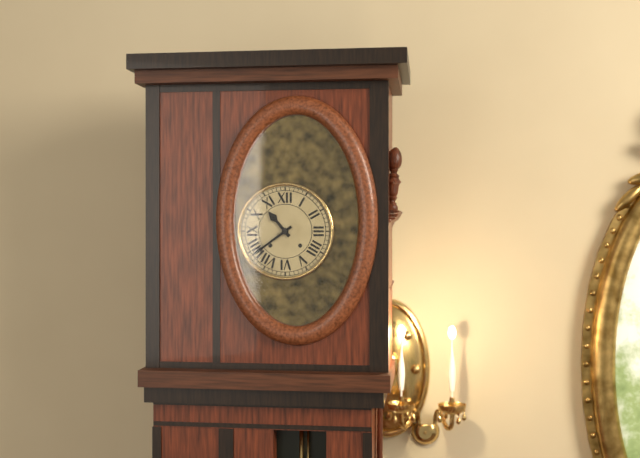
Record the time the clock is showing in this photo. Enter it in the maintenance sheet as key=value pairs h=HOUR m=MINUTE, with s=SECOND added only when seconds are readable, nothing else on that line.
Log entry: h=10 m=39
